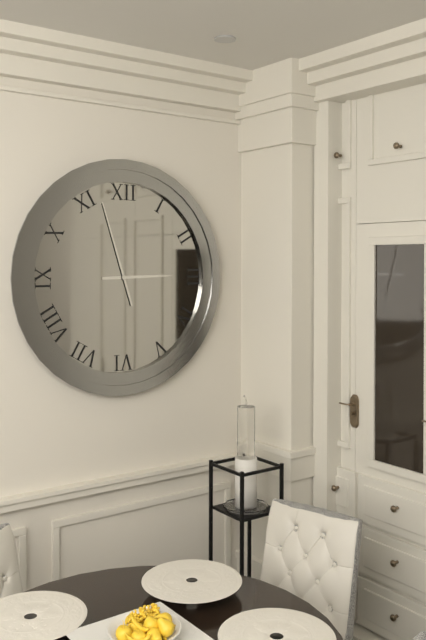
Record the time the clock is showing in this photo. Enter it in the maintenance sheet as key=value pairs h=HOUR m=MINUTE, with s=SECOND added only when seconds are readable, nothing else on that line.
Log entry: h=2 m=57
